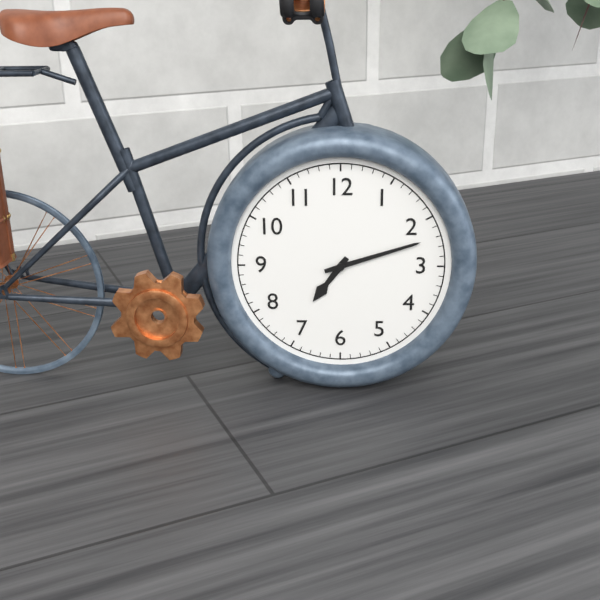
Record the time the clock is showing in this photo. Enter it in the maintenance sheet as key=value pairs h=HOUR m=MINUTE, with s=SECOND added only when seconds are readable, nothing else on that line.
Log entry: h=7 m=12
